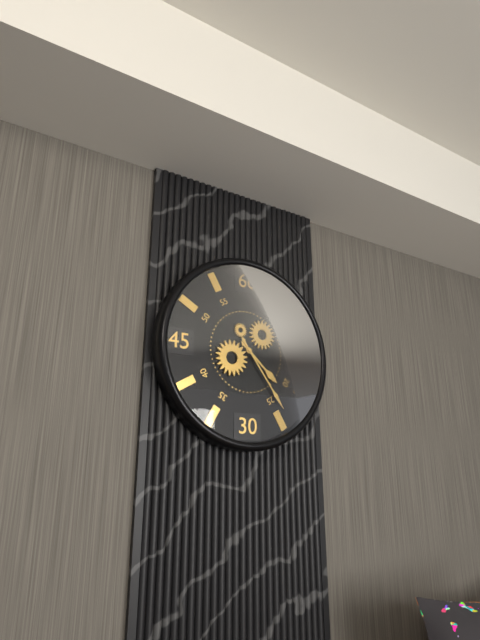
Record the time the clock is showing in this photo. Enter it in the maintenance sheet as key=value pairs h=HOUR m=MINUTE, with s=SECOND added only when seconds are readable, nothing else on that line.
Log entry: h=4 m=24
